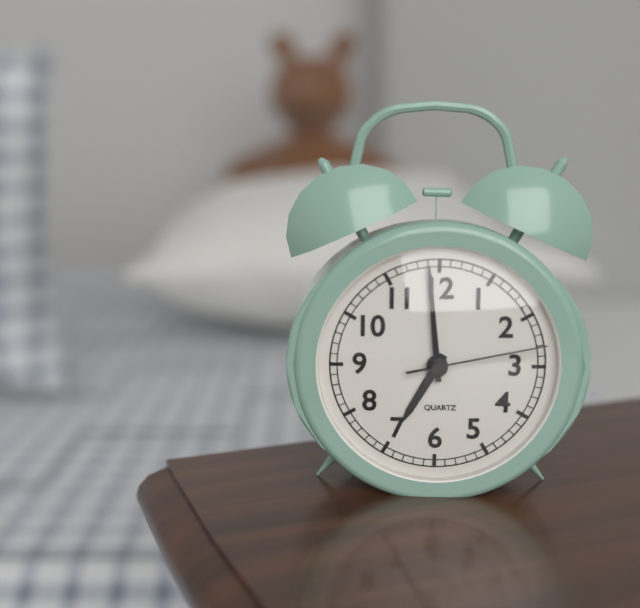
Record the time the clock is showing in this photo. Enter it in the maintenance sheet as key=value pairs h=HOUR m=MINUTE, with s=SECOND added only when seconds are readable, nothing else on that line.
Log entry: h=6 m=59 s=13
